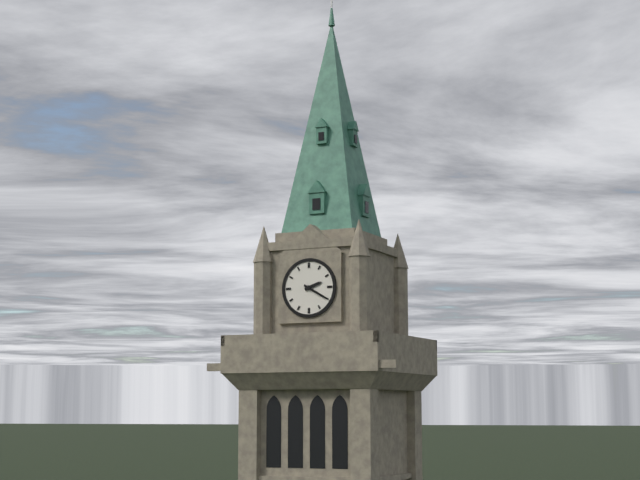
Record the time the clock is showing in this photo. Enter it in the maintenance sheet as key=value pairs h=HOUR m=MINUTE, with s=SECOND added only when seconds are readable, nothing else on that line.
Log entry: h=2 m=20
